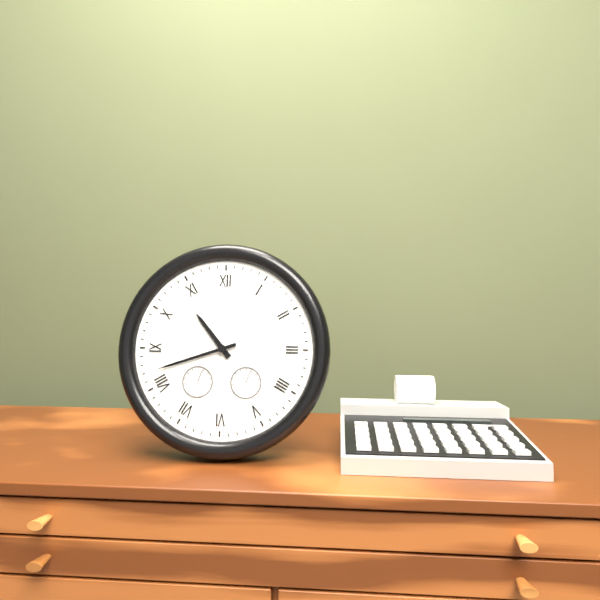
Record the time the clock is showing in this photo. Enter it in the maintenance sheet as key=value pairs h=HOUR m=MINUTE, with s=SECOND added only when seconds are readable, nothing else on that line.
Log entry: h=10 m=42
